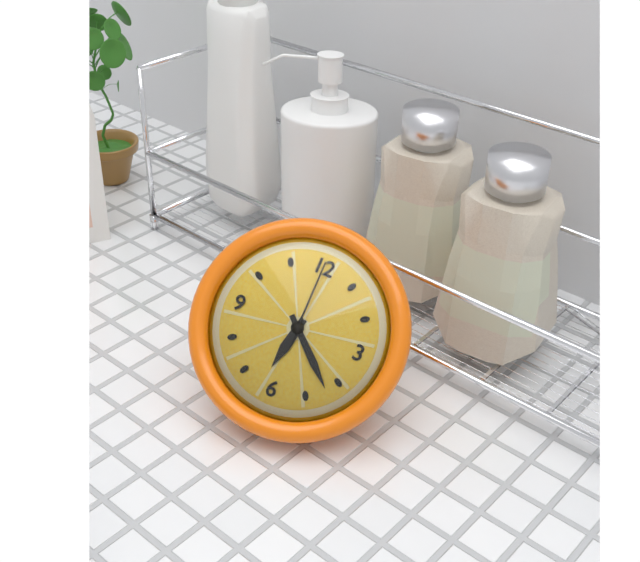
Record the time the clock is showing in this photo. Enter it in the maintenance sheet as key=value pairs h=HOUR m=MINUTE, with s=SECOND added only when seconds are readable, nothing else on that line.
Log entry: h=6 m=22 s=0
